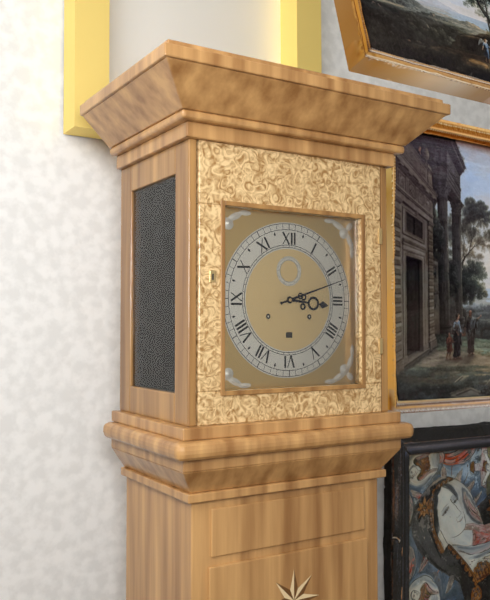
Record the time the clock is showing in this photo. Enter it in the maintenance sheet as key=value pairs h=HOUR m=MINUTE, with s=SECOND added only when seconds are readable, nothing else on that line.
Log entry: h=3 m=12
